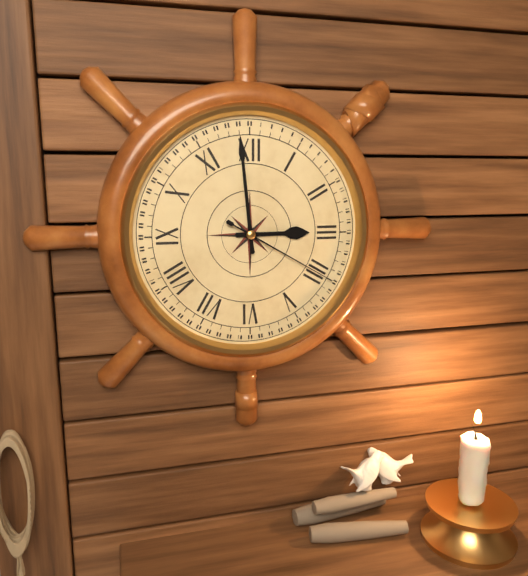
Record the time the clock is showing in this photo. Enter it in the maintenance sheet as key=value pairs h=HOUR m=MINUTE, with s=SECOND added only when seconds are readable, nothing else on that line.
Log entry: h=2 m=59 s=20
